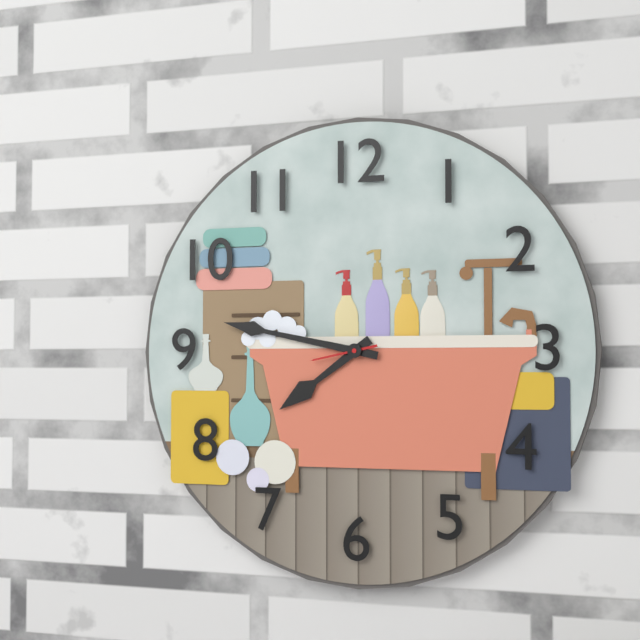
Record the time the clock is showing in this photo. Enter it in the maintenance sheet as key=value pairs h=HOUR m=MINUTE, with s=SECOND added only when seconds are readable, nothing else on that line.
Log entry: h=7 m=47 s=43
